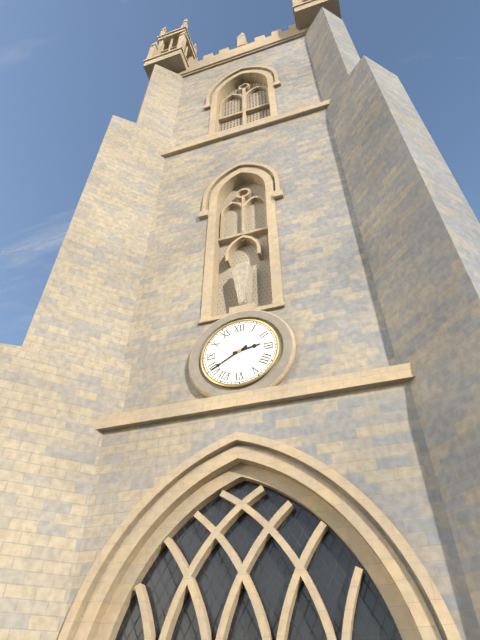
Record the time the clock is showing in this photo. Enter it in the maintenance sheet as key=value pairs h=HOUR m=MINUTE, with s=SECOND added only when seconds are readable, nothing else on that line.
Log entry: h=2 m=40
